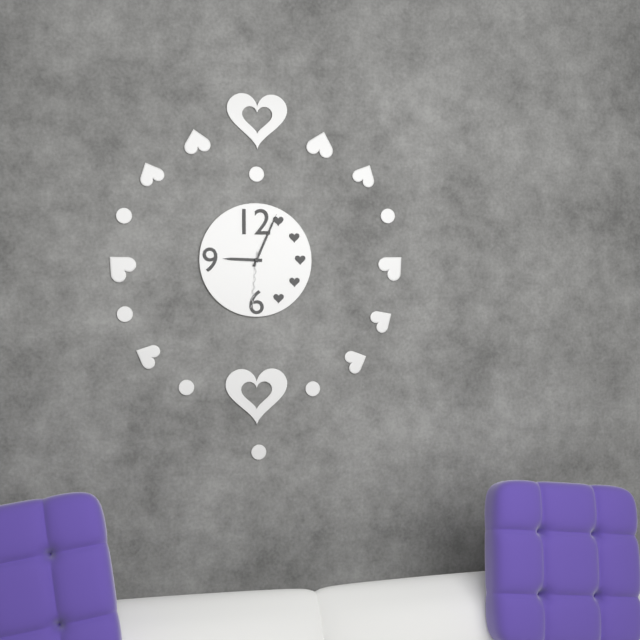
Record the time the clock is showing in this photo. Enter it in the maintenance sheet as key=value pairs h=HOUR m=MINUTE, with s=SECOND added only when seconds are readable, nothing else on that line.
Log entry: h=9 m=4 s=31
